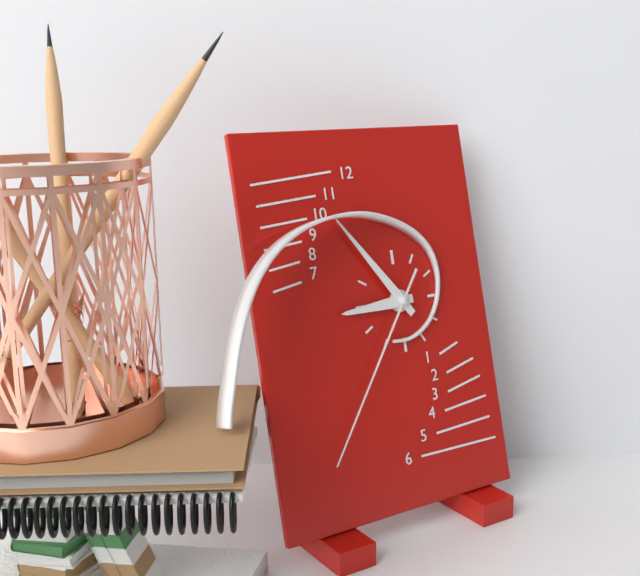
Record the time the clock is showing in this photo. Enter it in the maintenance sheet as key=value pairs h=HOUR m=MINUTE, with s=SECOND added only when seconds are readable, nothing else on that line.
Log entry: h=8 m=54 s=36
